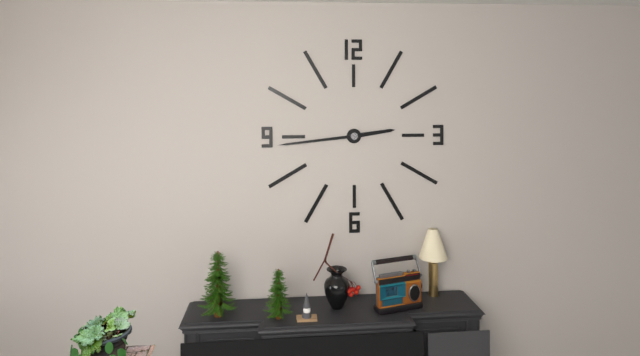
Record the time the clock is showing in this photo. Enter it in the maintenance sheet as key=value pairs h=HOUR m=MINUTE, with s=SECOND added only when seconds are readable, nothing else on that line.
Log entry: h=2 m=44
